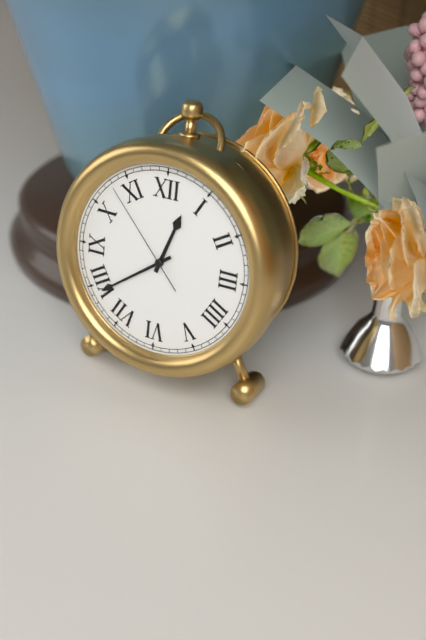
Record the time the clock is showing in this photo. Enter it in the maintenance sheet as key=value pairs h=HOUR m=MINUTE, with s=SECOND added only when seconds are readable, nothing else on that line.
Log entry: h=12 m=39 s=53
